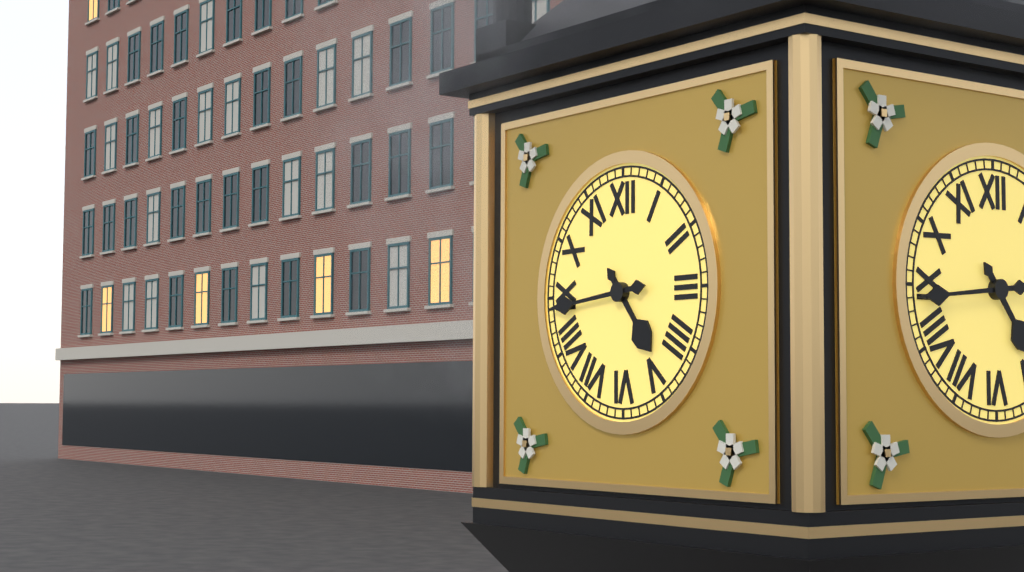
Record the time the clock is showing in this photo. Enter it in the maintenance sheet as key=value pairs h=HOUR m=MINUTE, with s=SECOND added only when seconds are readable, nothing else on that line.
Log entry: h=4 m=44
